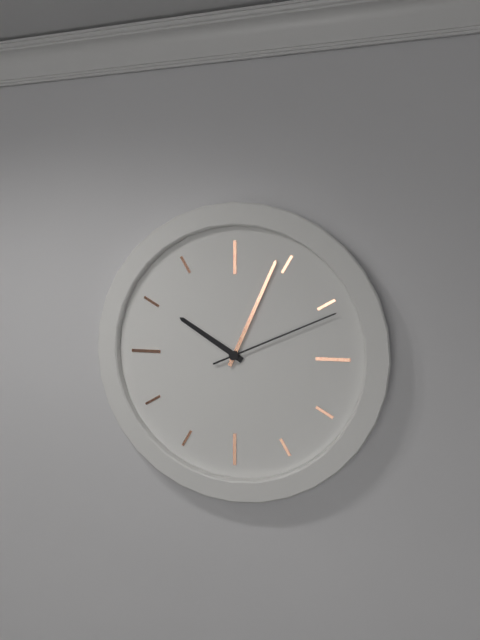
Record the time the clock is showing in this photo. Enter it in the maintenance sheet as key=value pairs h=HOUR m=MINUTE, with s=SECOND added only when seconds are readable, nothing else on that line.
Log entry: h=10 m=4 s=11
